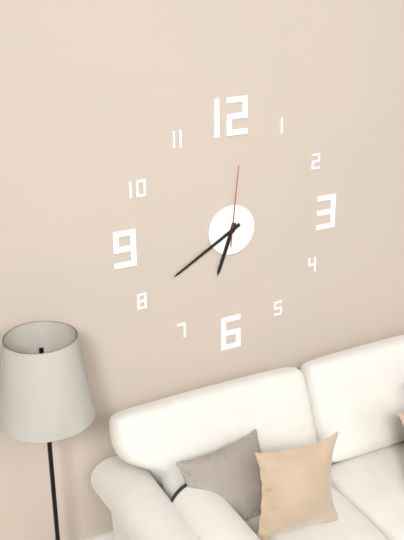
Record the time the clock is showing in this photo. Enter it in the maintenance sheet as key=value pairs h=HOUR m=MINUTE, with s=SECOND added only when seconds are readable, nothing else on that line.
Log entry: h=6 m=40 s=1
